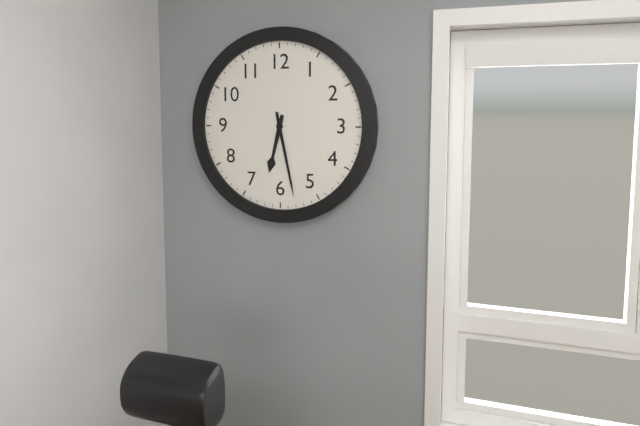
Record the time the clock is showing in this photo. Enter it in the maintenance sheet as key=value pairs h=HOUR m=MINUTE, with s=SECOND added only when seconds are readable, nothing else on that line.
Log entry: h=6 m=28
